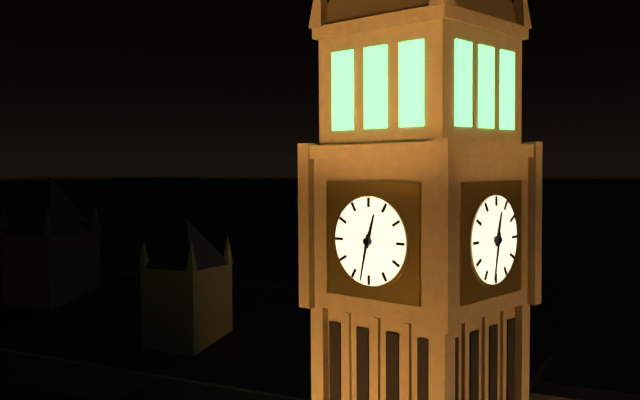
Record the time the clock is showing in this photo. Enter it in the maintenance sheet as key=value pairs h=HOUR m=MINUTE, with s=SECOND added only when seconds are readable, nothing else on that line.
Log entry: h=12 m=32
